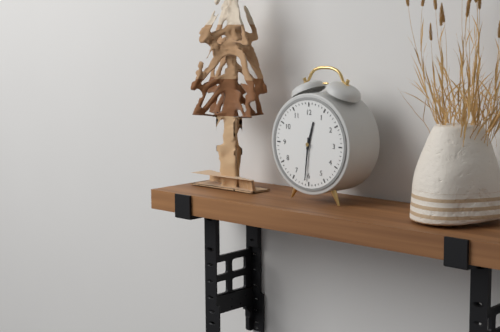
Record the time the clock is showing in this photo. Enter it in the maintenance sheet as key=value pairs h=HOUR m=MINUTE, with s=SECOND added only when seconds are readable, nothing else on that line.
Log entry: h=12 m=31
